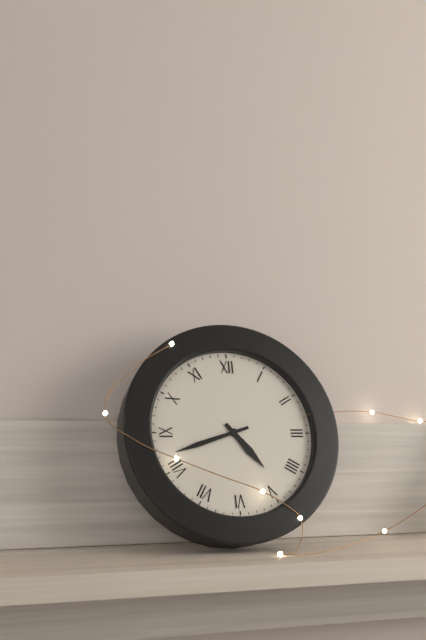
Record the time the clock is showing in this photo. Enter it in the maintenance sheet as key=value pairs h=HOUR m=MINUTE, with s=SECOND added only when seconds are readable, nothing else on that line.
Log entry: h=4 m=42
